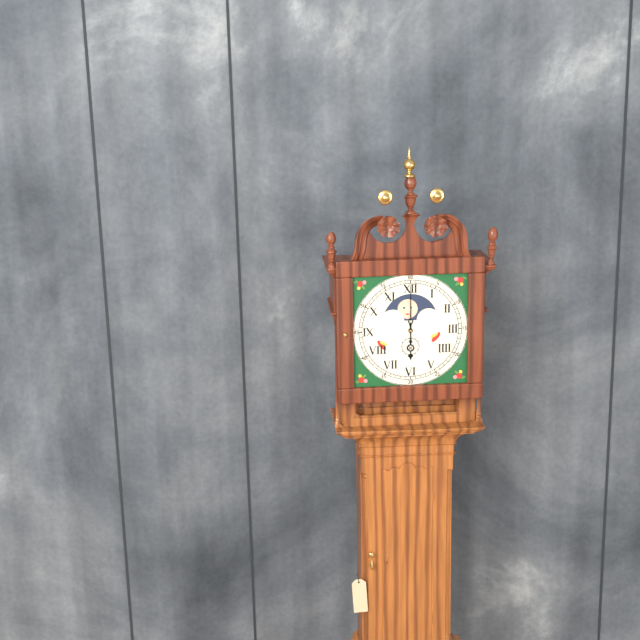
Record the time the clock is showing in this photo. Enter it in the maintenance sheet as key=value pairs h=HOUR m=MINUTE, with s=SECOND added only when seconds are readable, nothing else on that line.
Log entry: h=6 m=0
